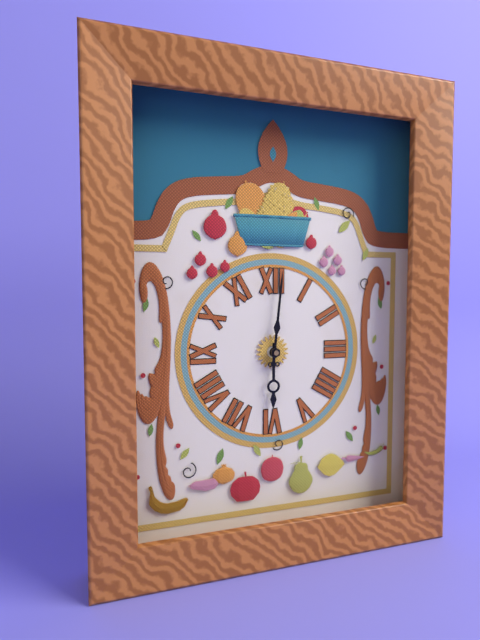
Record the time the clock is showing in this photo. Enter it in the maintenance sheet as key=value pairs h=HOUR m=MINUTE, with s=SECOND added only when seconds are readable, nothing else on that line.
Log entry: h=6 m=1
